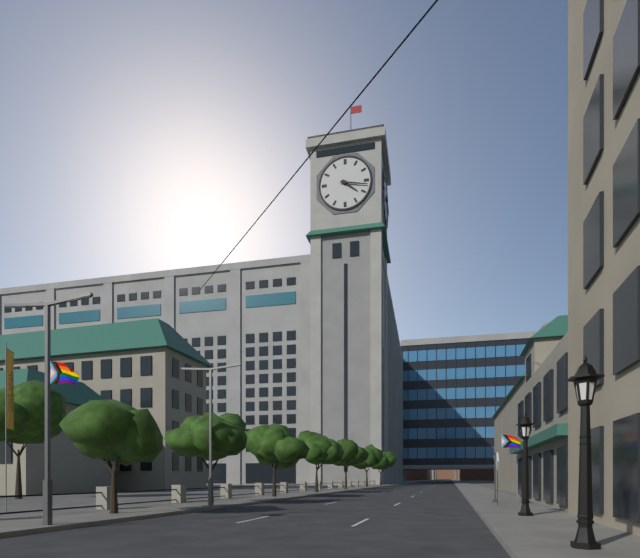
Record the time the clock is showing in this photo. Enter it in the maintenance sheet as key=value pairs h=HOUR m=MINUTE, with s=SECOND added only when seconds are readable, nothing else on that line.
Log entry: h=4 m=17
